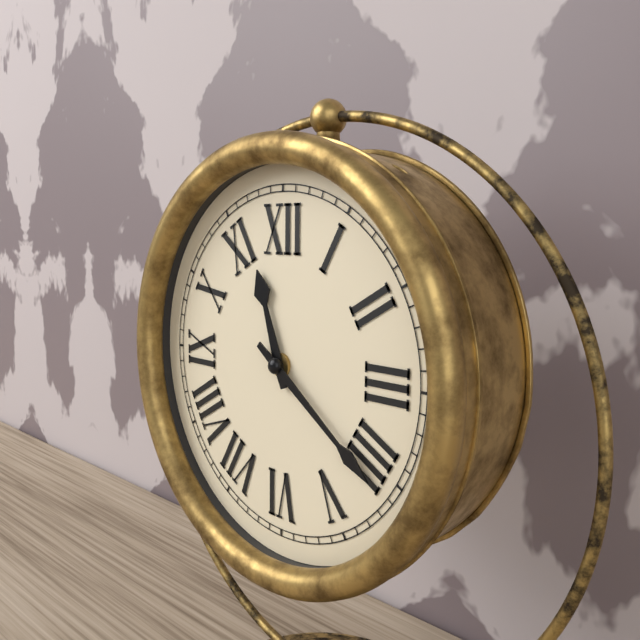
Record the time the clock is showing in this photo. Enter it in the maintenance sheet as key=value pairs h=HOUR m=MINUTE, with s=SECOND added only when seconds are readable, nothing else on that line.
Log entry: h=11 m=21
